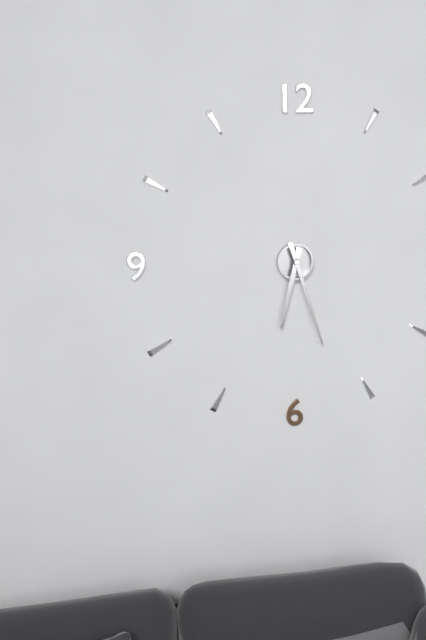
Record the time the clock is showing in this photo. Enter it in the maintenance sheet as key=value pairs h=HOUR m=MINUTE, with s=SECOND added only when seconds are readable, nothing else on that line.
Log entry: h=6 m=27
